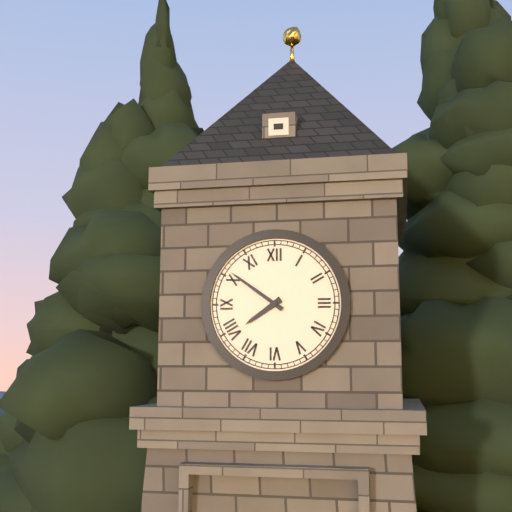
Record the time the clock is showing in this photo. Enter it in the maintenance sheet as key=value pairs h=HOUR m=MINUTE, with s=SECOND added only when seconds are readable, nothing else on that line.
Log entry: h=7 m=51
